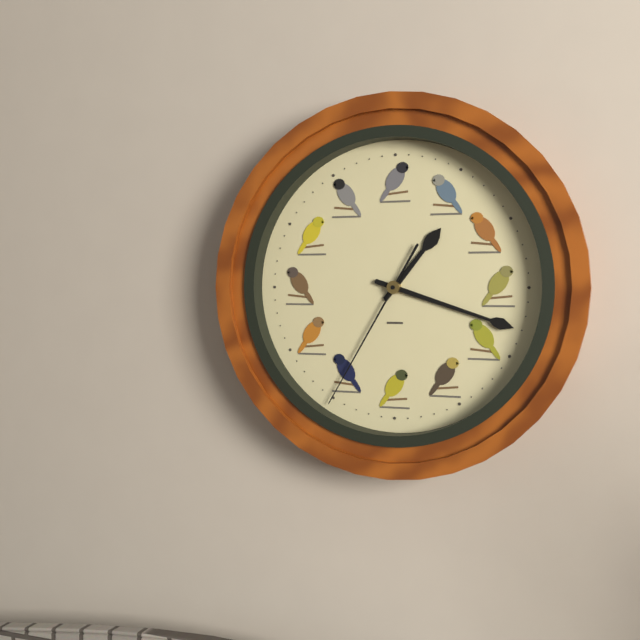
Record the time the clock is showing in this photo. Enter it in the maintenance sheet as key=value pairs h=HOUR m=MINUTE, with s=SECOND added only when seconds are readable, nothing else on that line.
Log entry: h=1 m=18 s=35
